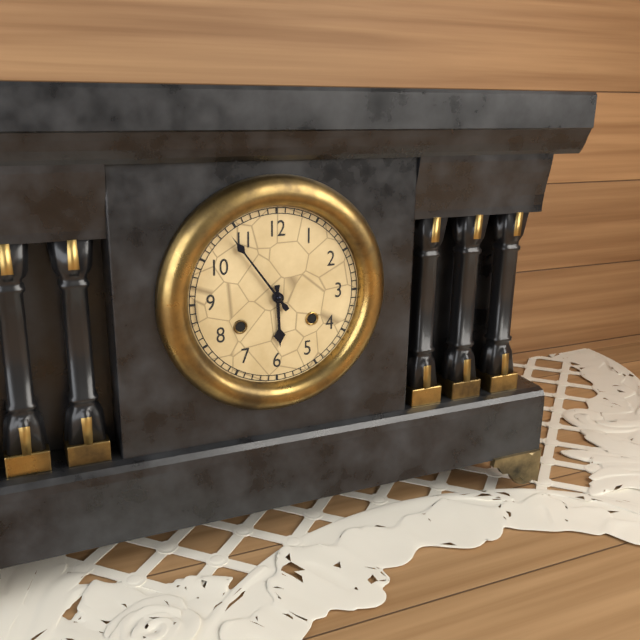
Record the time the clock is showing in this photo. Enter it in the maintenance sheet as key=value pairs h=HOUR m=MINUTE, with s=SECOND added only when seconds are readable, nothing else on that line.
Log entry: h=5 m=54
